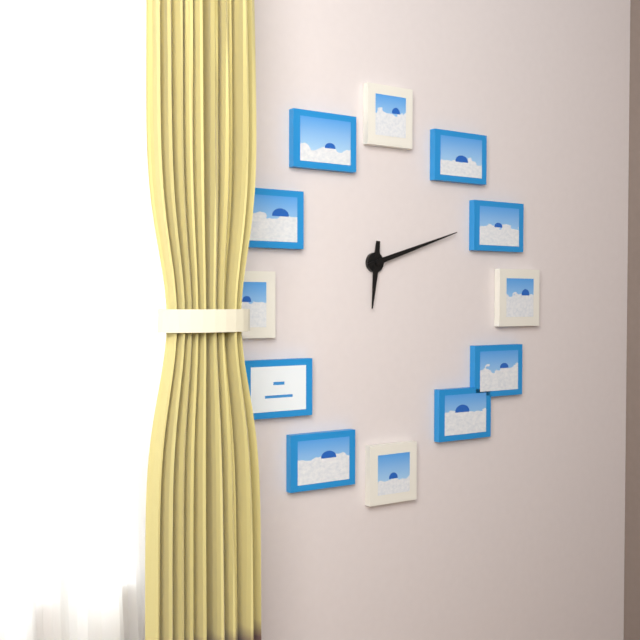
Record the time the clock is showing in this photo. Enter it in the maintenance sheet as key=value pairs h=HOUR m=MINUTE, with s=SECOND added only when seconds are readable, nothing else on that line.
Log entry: h=6 m=12
